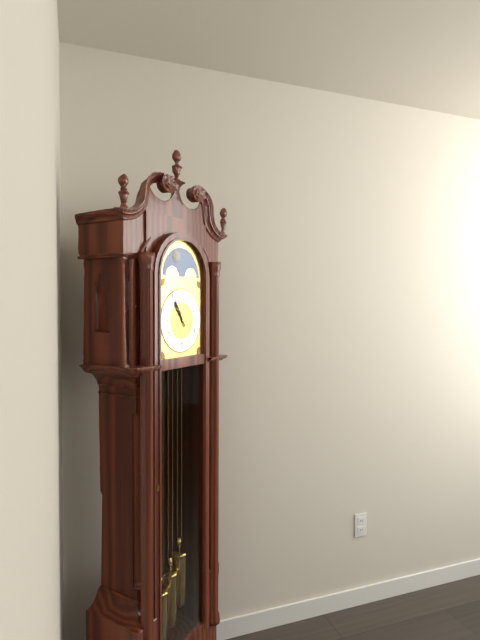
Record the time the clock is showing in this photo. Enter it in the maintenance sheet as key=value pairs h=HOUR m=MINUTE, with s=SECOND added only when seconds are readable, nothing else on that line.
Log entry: h=10 m=55
